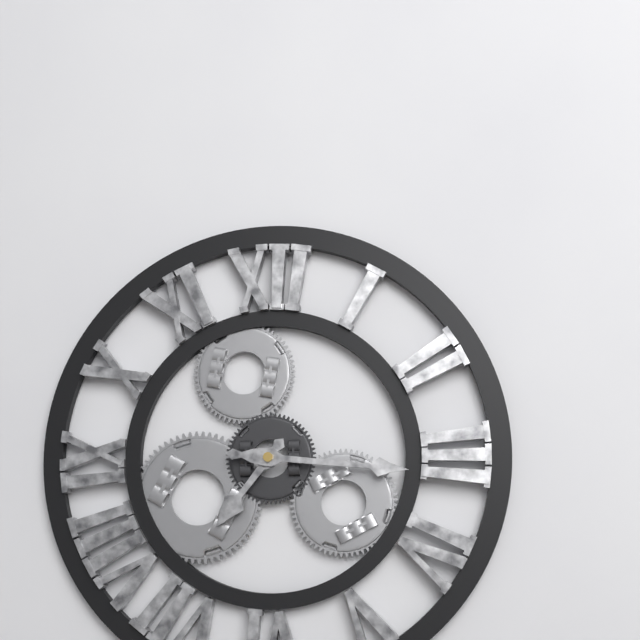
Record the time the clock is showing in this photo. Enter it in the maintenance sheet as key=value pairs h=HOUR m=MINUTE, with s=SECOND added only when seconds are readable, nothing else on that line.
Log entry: h=7 m=16
